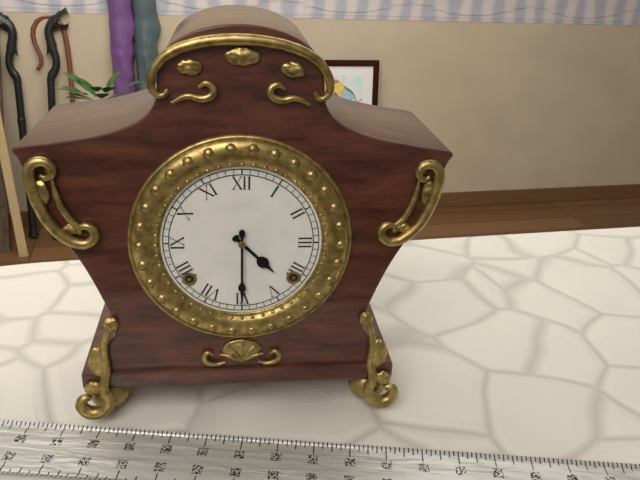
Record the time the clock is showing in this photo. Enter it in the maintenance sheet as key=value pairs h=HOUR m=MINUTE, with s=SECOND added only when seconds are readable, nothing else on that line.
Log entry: h=4 m=30
